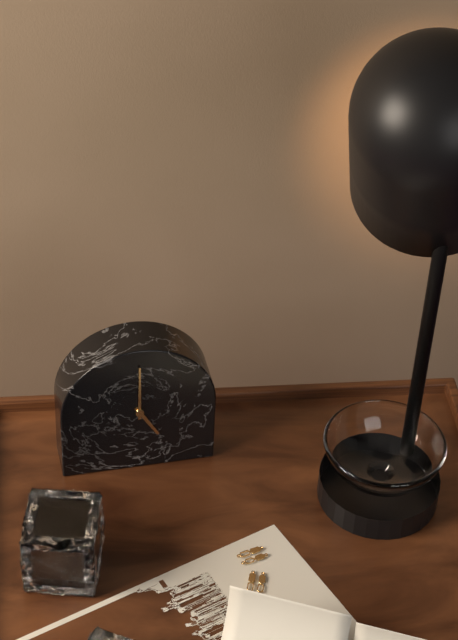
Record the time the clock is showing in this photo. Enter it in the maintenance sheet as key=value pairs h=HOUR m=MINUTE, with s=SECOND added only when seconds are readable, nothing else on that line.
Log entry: h=5 m=0
